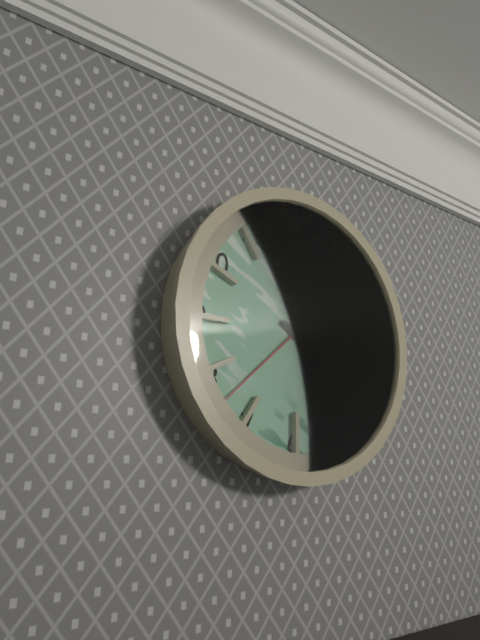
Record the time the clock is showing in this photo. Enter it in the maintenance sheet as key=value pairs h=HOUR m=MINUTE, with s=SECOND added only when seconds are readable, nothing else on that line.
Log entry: h=4 m=20 s=38
